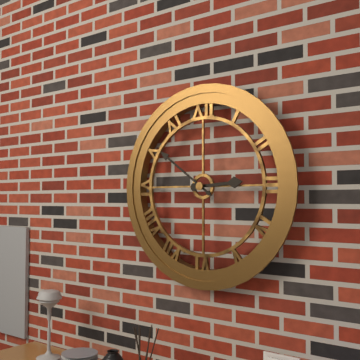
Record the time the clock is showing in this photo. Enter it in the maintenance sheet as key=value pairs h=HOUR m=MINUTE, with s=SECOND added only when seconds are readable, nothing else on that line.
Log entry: h=2 m=51
